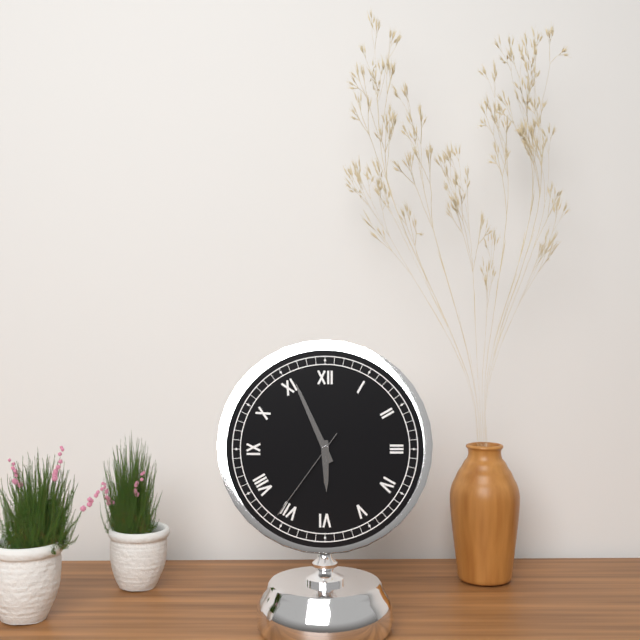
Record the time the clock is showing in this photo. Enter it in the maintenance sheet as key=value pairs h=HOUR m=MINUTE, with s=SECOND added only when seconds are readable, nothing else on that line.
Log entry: h=5 m=56 s=36
